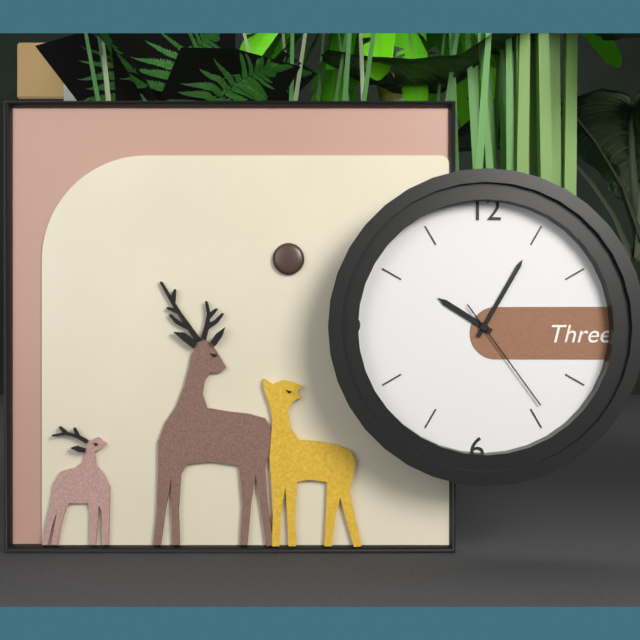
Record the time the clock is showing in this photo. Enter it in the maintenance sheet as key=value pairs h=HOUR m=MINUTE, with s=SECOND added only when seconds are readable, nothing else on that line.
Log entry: h=10 m=5 s=24
